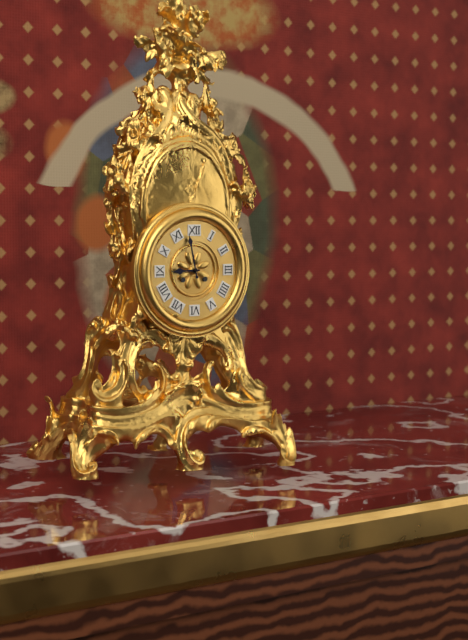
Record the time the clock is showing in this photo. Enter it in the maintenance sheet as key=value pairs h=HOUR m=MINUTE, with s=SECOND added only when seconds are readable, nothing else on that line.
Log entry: h=8 m=58
